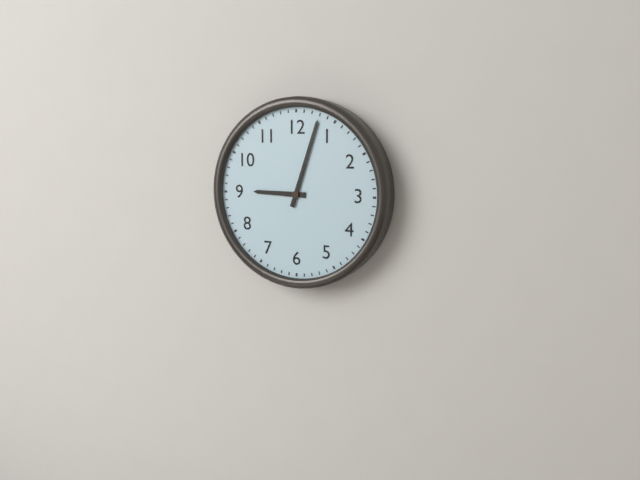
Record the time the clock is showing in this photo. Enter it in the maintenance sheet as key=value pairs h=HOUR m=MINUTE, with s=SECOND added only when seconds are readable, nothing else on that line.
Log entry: h=9 m=3
